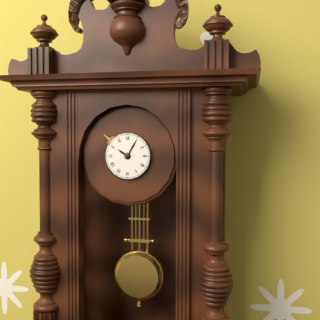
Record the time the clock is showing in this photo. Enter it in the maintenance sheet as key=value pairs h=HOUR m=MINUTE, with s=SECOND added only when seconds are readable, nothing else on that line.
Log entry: h=10 m=5
